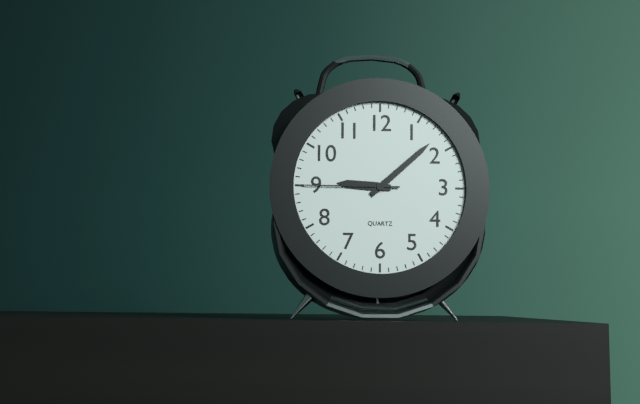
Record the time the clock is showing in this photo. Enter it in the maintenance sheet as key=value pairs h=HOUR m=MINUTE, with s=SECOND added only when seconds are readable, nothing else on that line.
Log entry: h=9 m=8 s=45
